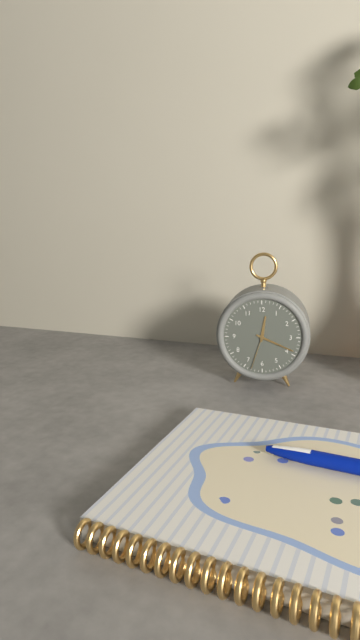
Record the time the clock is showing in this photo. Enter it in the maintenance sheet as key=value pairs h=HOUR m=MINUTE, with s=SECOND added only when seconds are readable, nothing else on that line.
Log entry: h=12 m=19
